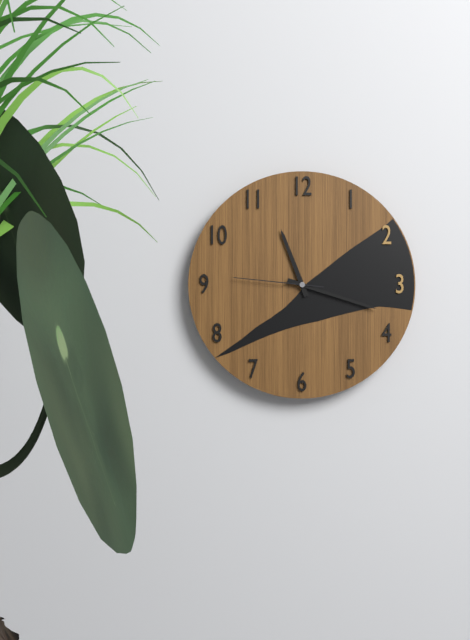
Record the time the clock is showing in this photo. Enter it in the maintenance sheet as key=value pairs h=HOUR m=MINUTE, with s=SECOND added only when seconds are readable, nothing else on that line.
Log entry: h=11 m=18 s=46
